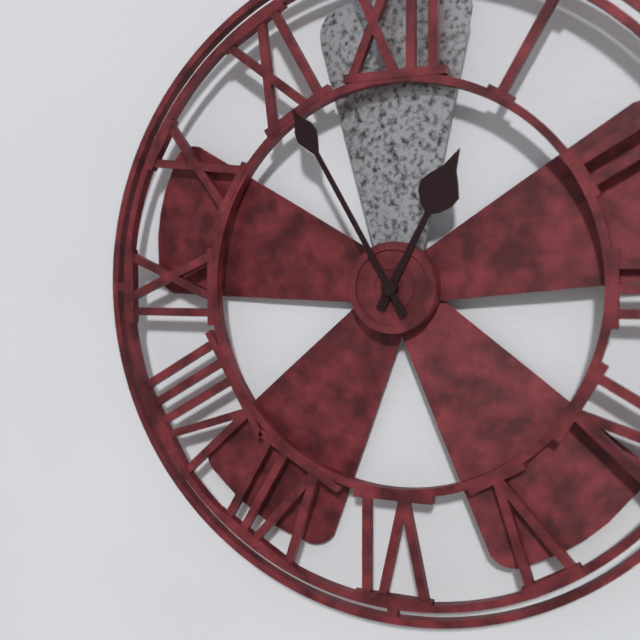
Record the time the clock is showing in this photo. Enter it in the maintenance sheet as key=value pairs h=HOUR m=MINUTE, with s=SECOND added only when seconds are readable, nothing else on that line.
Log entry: h=12 m=55
